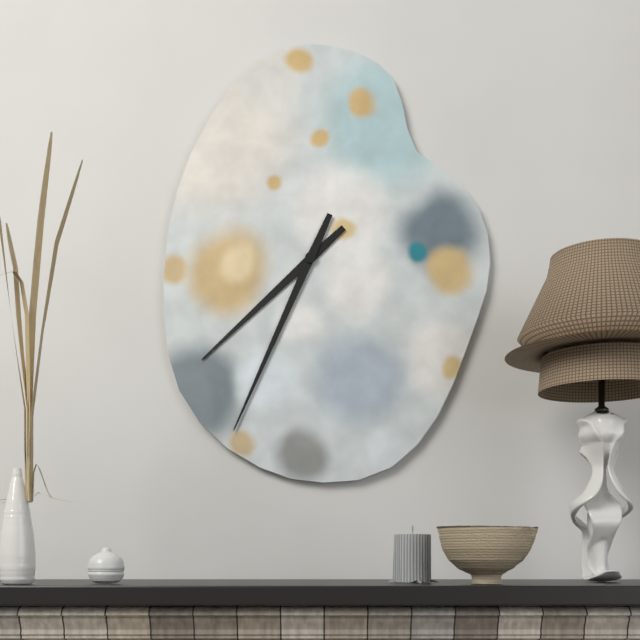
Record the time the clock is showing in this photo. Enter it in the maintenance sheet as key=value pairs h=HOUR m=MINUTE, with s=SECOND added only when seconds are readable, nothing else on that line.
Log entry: h=7 m=34
